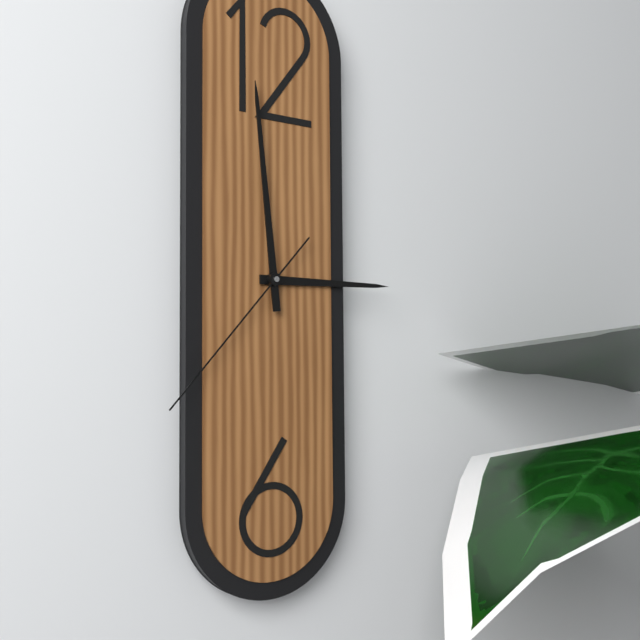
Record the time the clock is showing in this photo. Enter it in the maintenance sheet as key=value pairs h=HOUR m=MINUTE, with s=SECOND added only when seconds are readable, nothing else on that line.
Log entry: h=2 m=59 s=37
